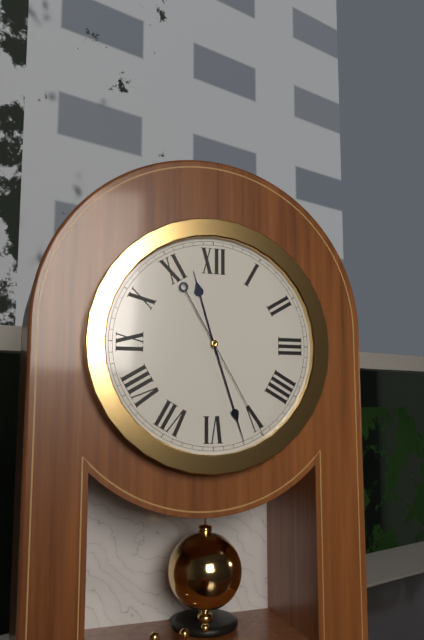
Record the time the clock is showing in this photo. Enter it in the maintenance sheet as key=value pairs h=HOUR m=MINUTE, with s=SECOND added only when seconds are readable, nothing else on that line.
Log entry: h=11 m=27 s=25
